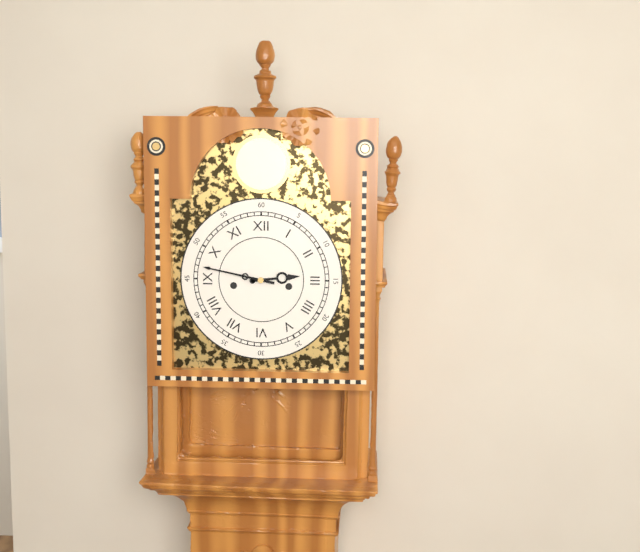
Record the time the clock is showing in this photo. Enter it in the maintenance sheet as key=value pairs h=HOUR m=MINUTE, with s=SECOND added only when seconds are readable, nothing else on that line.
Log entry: h=2 m=47
